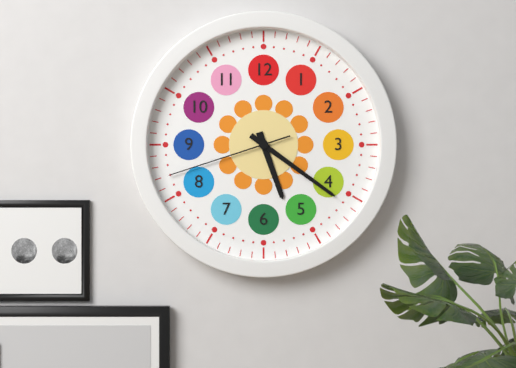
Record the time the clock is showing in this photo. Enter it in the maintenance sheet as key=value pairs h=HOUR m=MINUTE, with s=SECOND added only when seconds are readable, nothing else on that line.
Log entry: h=5 m=21 s=42
